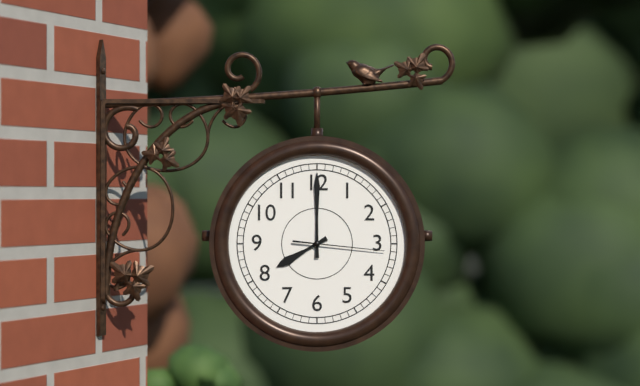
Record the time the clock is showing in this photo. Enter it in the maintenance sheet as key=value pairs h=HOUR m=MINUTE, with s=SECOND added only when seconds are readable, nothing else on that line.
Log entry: h=8 m=0 s=16
